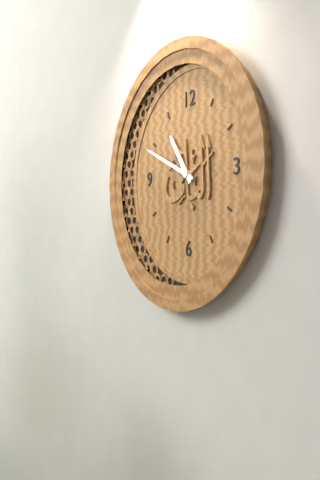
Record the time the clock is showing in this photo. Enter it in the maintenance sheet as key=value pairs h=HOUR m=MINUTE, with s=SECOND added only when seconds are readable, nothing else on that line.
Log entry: h=10 m=49
